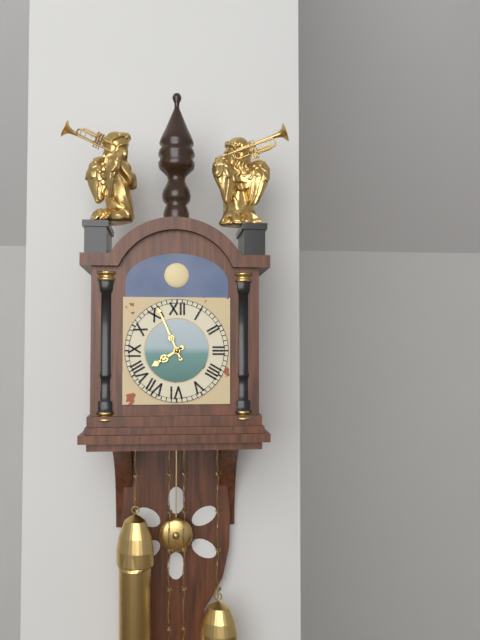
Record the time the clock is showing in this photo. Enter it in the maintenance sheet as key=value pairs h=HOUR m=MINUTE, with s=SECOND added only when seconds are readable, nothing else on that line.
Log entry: h=7 m=56
